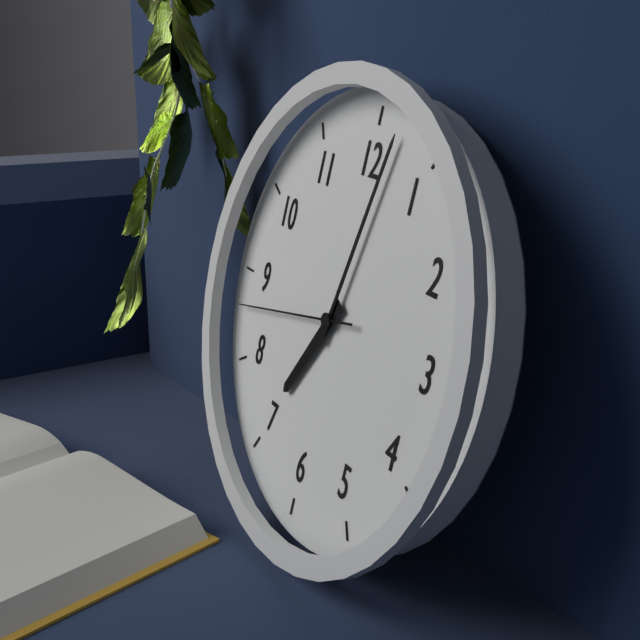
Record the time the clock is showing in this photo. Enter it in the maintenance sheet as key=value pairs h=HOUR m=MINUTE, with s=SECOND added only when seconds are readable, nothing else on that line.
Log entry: h=7 m=2 s=43
